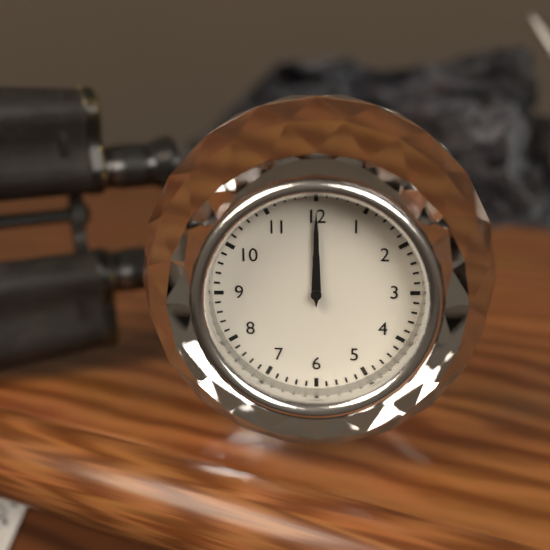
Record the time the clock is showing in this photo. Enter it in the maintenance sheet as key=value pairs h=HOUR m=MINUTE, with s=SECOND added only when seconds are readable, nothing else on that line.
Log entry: h=12 m=0
